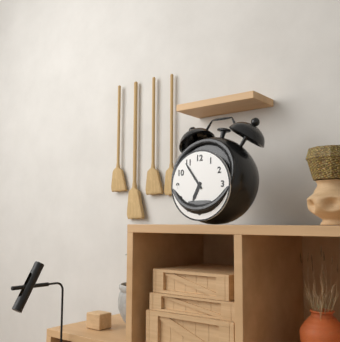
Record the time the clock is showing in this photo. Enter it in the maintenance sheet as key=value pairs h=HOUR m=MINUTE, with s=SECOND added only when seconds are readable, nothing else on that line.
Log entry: h=6 m=54
